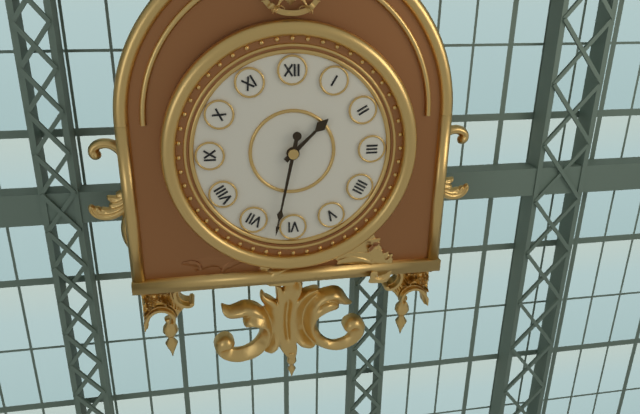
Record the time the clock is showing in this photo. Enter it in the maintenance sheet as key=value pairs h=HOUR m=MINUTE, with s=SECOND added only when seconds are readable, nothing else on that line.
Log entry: h=1 m=32
